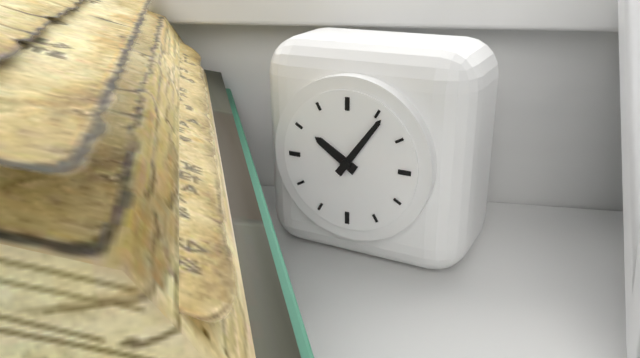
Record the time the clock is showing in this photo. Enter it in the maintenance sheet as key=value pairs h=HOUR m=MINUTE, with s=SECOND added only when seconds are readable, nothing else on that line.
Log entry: h=10 m=6
